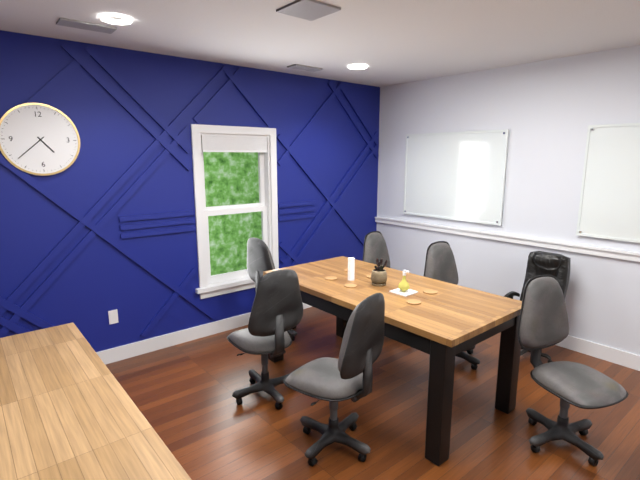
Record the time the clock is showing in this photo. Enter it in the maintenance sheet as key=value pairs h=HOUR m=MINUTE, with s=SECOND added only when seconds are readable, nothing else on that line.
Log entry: h=4 m=38
